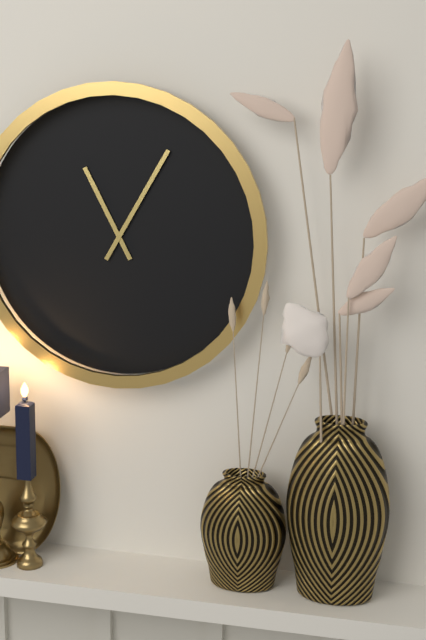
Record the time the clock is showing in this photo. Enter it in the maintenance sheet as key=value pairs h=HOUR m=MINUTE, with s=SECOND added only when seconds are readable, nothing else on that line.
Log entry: h=11 m=5
